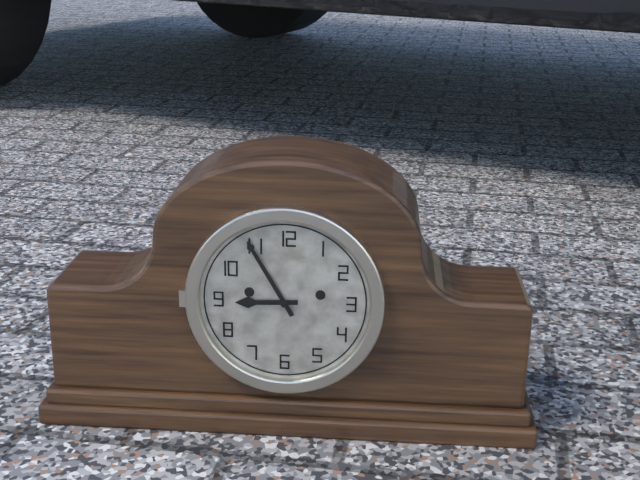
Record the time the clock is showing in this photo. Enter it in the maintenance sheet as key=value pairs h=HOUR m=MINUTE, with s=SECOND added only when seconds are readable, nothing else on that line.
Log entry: h=8 m=55
